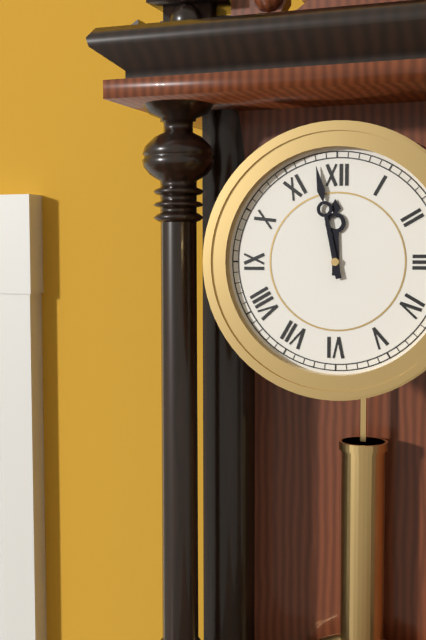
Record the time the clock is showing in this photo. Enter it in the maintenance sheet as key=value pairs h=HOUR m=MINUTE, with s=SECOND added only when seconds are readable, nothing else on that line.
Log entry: h=11 m=58
